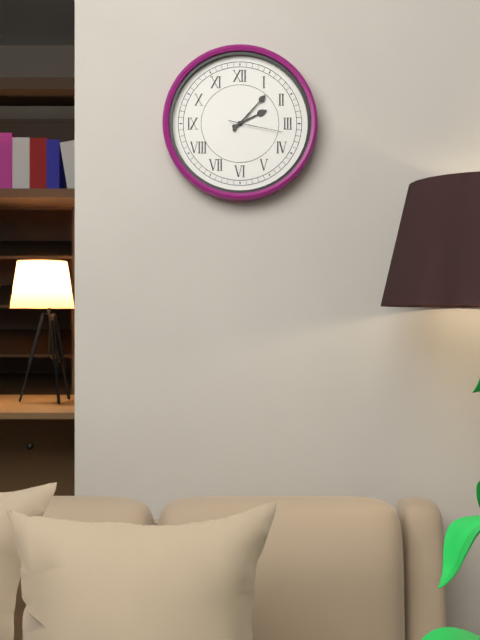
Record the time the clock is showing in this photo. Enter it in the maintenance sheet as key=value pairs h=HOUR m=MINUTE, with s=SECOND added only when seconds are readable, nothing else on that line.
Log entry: h=2 m=7 s=17
